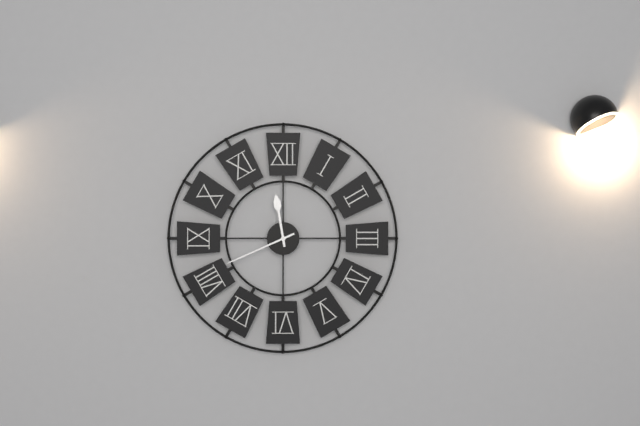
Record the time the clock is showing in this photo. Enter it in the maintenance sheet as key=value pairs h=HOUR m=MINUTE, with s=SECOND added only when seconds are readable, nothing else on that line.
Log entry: h=11 m=41
